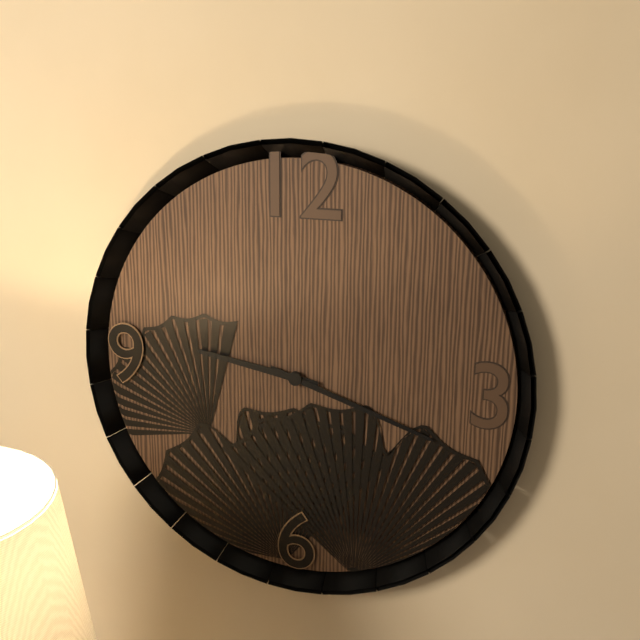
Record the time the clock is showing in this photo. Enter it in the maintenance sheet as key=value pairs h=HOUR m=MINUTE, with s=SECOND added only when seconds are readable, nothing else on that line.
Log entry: h=9 m=18
